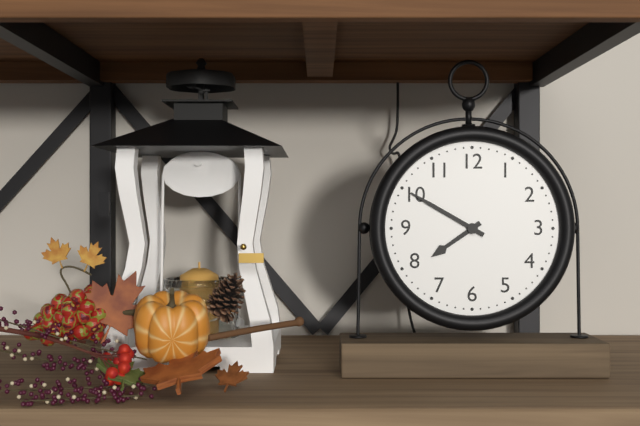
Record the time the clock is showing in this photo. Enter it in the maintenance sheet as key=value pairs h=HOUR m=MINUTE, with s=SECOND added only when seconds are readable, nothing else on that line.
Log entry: h=7 m=50
